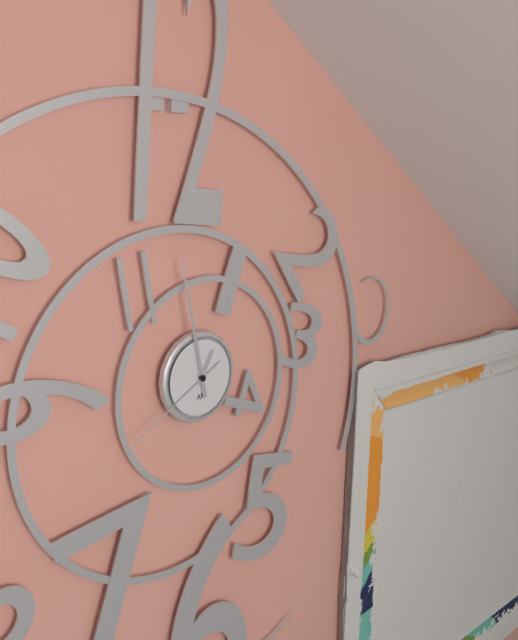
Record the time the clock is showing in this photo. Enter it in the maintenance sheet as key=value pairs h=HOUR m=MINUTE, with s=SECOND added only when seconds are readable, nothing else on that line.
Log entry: h=12 m=58 s=40
